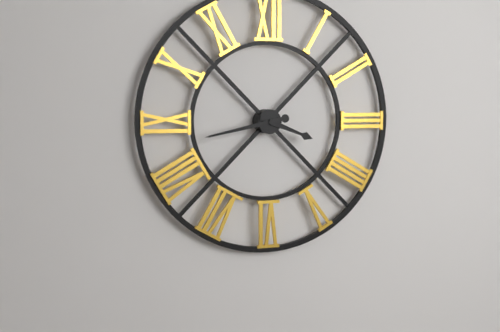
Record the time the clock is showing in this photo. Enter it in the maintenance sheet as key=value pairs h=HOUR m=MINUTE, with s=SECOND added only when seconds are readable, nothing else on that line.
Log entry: h=3 m=43
